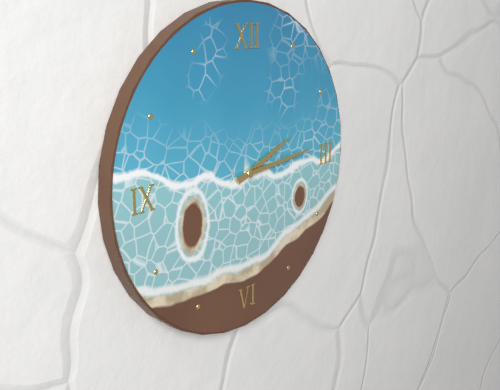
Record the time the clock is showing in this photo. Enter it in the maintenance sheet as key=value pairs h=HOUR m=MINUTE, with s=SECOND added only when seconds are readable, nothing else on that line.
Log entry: h=2 m=14
